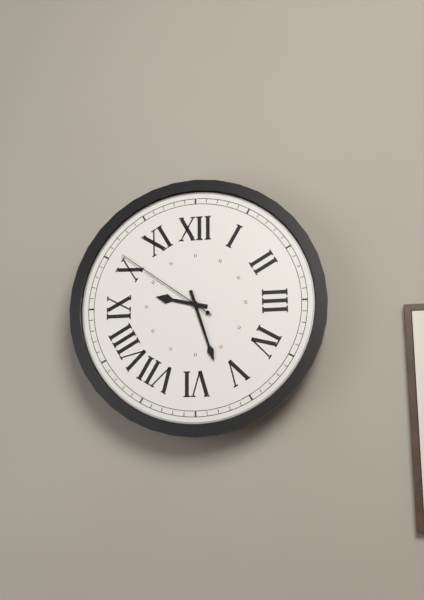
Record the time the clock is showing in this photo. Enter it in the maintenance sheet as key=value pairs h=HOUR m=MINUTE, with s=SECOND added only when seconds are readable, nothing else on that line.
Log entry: h=9 m=27 s=51
